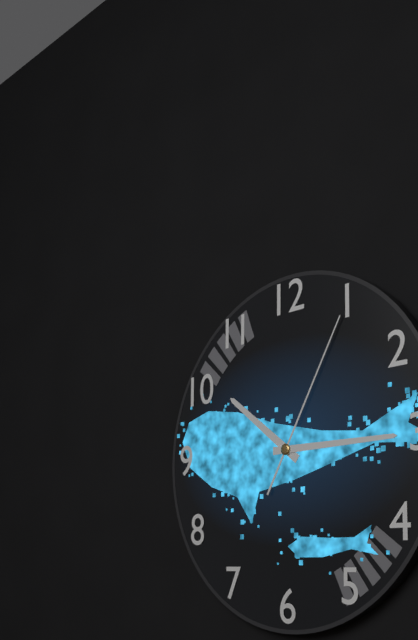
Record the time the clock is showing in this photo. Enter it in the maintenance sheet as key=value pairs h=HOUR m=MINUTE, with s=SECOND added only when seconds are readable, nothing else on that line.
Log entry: h=10 m=15 s=5
